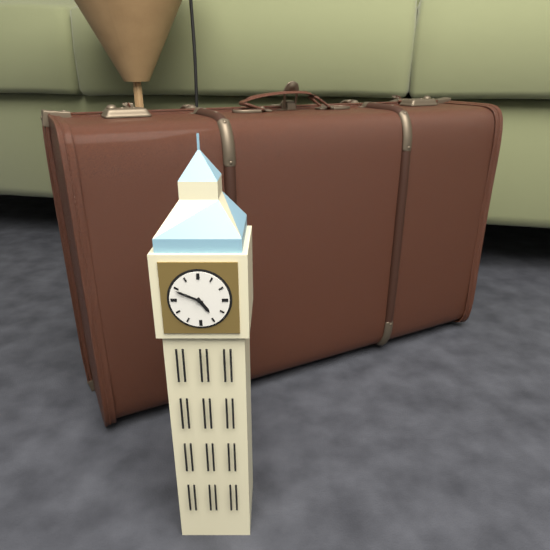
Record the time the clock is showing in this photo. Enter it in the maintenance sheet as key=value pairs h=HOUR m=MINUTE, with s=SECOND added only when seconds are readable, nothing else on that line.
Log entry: h=4 m=49
